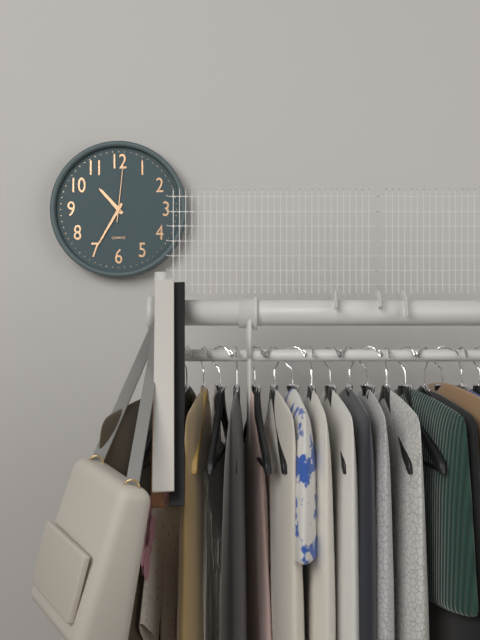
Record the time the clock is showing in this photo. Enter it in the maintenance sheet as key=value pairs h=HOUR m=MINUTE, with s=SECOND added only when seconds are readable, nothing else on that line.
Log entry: h=10 m=35 s=1
